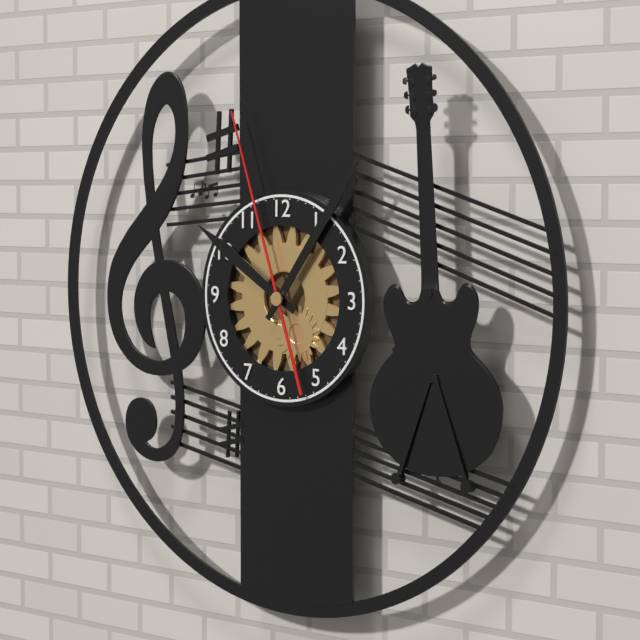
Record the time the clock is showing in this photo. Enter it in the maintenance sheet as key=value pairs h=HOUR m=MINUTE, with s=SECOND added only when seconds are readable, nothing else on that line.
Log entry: h=10 m=6 s=57
